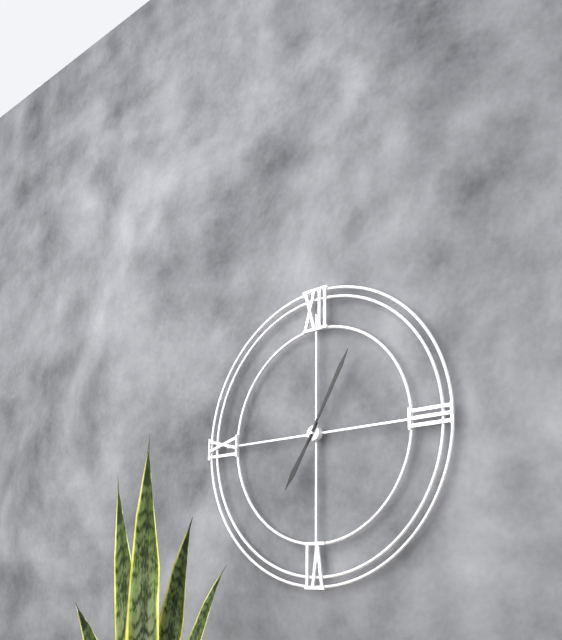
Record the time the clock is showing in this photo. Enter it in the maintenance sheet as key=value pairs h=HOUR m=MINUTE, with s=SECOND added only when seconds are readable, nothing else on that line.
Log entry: h=7 m=5
